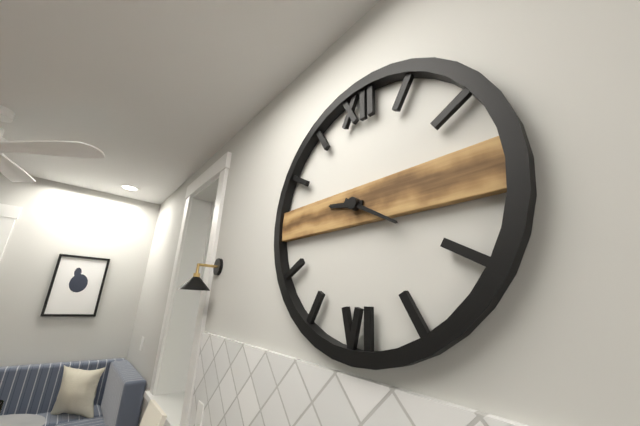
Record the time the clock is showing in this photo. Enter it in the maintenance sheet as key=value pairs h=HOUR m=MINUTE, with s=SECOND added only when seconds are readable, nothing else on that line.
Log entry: h=9 m=20
